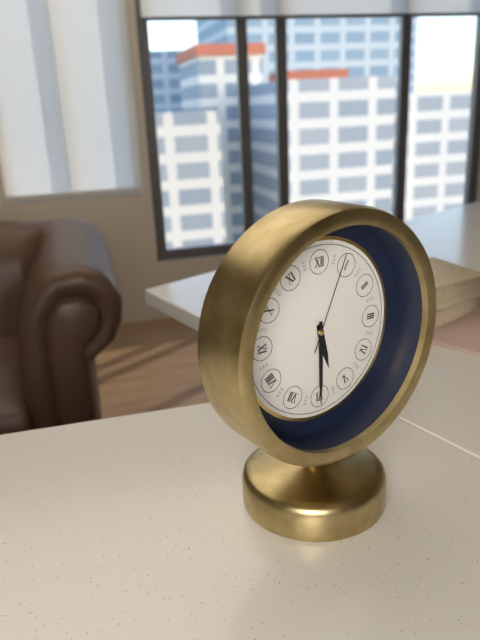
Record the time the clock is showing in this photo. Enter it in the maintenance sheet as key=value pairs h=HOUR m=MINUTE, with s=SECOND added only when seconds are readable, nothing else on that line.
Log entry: h=5 m=30 s=4
